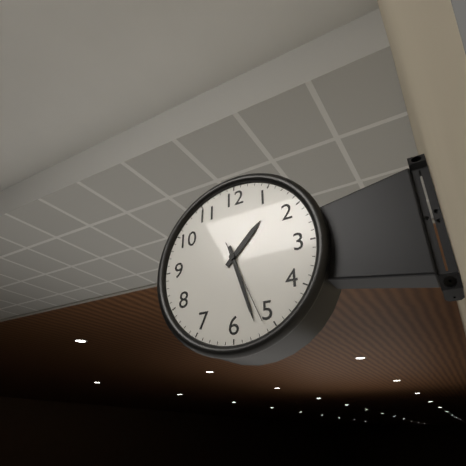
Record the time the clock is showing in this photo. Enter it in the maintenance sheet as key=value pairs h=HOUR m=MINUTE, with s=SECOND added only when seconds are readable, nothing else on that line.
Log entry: h=1 m=27 s=26
